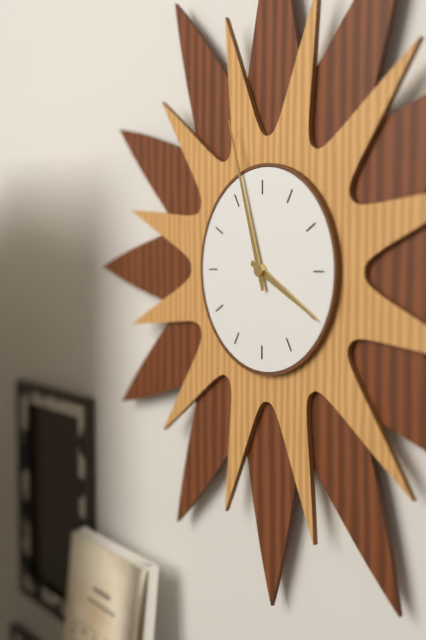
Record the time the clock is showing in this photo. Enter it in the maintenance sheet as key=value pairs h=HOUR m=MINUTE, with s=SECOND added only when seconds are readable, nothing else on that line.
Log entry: h=3 m=57
